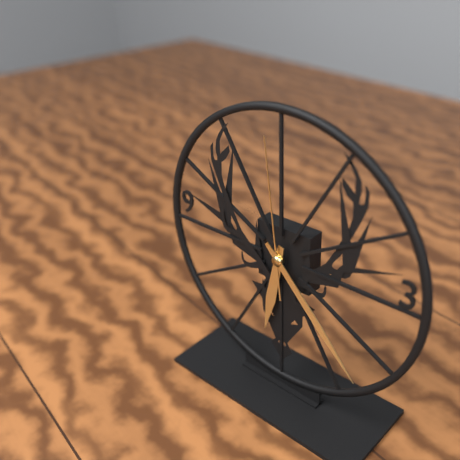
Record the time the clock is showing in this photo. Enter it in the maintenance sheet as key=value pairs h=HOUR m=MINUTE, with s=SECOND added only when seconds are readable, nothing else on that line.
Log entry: h=6 m=23 s=59
